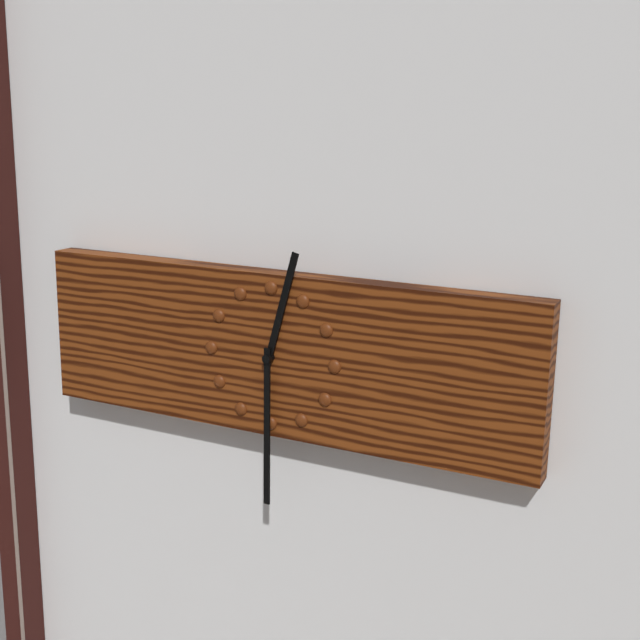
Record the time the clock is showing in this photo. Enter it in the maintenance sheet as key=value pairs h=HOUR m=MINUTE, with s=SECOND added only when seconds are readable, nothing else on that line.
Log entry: h=12 m=30
